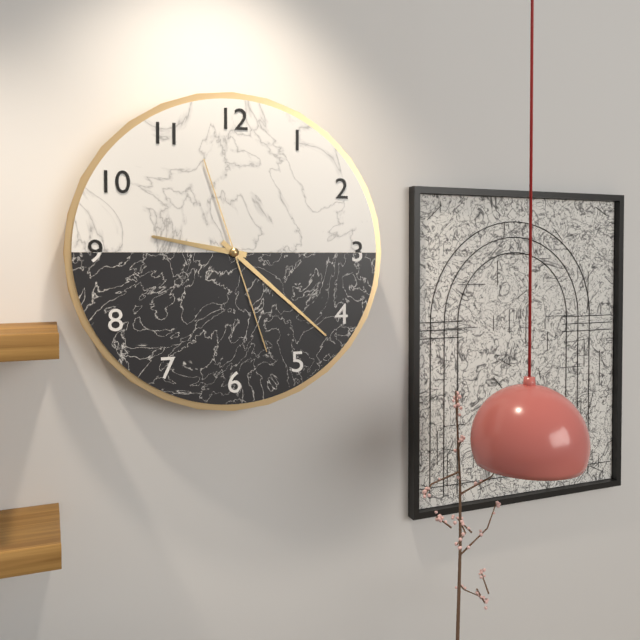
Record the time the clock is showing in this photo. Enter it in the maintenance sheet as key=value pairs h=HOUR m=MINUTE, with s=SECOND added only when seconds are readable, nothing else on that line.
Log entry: h=9 m=22 s=27
